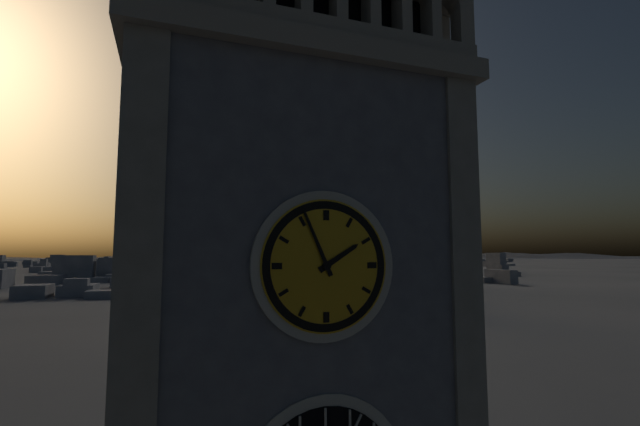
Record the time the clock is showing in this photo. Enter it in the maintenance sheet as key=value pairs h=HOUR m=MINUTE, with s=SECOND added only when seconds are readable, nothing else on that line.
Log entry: h=1 m=56
